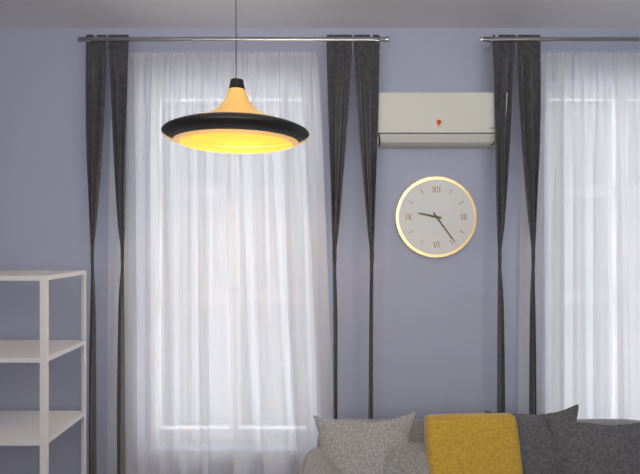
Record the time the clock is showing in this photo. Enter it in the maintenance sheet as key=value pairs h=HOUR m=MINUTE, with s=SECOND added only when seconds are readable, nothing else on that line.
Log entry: h=9 m=24
